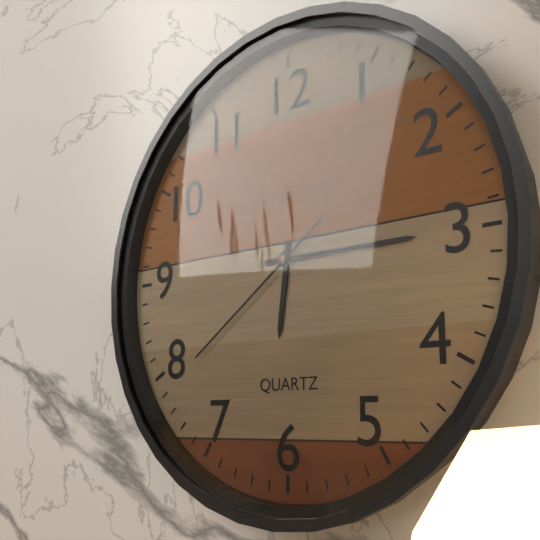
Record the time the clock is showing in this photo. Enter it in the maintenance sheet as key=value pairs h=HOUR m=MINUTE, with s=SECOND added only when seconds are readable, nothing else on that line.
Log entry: h=6 m=15 s=39
